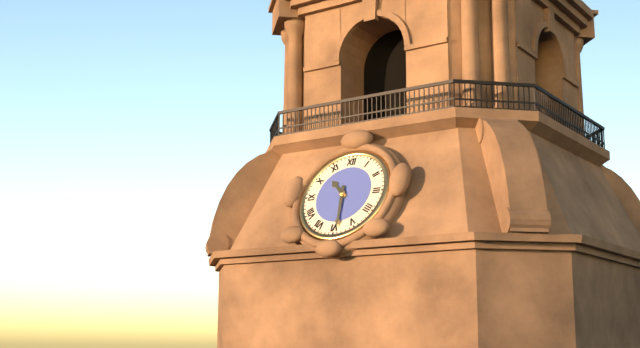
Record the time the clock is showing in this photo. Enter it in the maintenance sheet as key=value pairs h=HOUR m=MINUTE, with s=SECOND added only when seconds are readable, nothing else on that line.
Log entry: h=10 m=29
